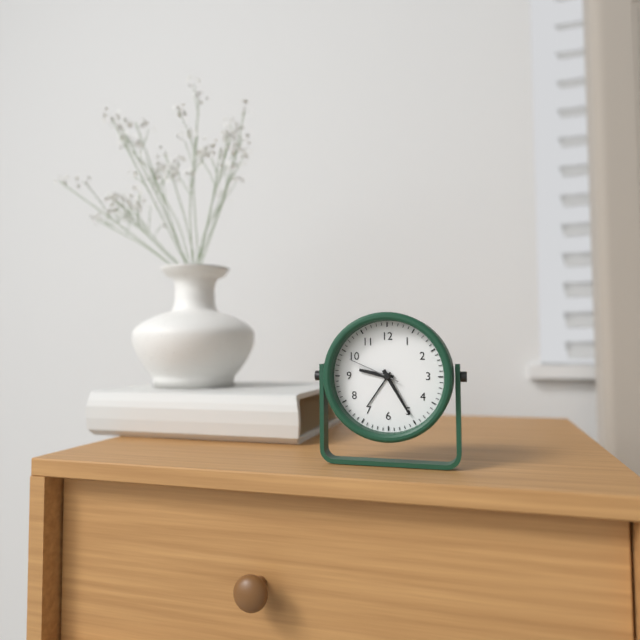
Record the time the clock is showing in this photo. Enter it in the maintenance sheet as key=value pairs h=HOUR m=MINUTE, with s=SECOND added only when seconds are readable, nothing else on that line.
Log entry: h=9 m=25 s=49
